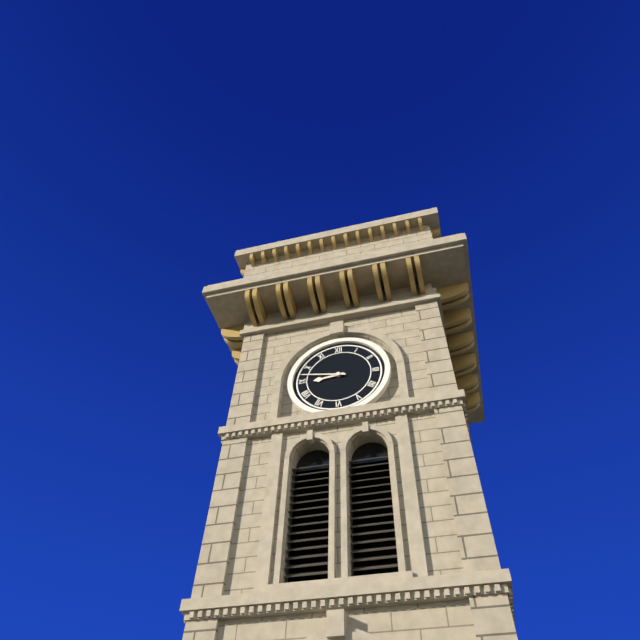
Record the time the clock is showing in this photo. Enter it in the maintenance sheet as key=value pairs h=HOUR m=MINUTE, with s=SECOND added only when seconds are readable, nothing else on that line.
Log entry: h=8 m=47
